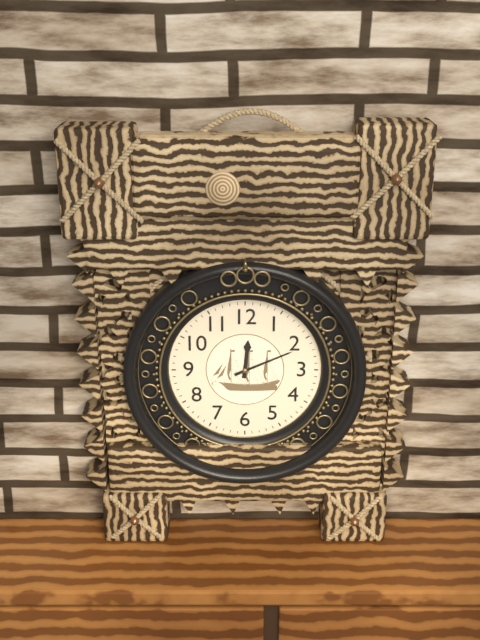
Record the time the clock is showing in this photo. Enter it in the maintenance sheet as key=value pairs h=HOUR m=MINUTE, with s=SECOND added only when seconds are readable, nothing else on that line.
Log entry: h=12 m=11
